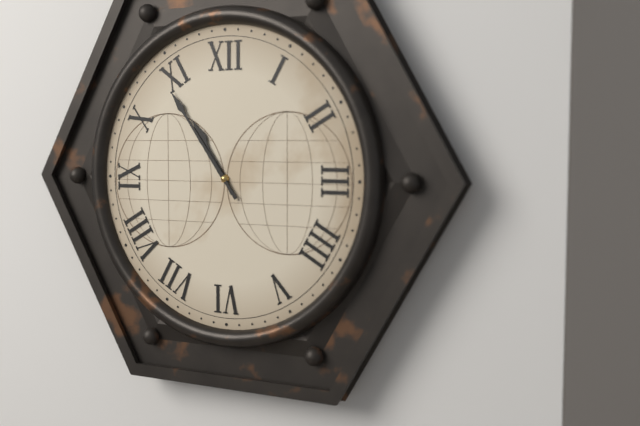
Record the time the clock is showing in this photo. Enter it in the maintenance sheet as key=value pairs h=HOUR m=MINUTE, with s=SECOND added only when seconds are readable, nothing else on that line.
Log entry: h=10 m=54
